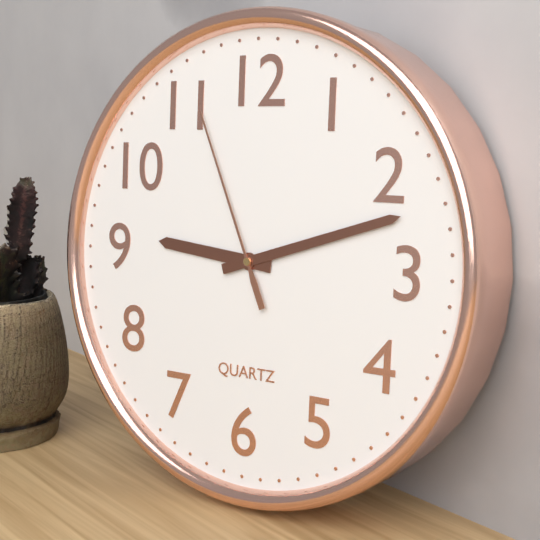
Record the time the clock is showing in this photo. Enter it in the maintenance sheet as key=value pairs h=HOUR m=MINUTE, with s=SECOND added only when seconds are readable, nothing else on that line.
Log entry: h=9 m=12 s=56
